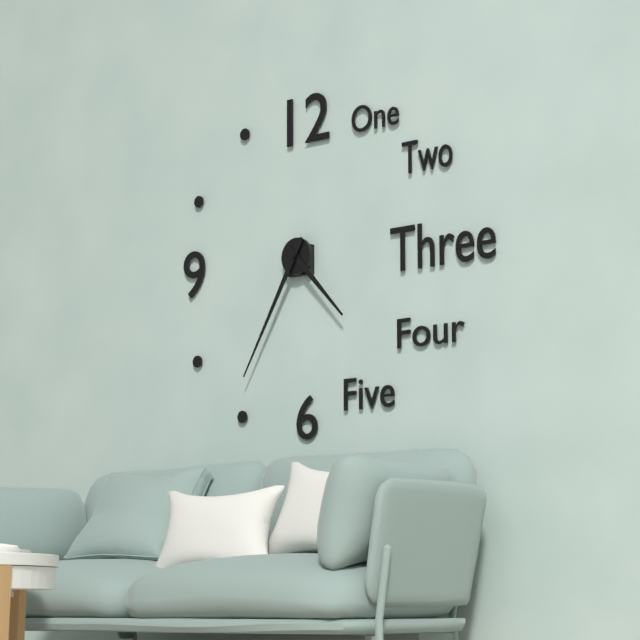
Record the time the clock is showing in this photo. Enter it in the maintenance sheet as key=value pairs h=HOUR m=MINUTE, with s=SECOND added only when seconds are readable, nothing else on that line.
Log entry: h=4 m=35
